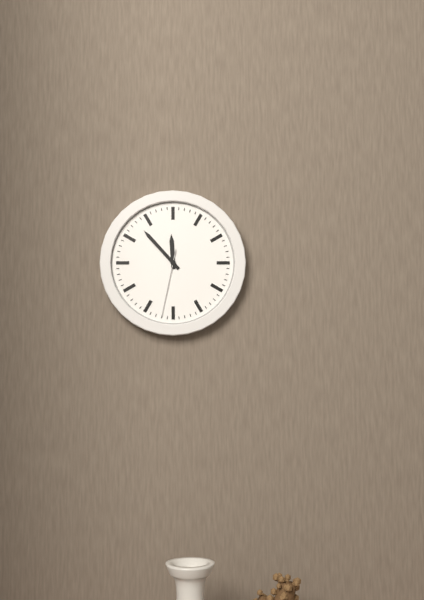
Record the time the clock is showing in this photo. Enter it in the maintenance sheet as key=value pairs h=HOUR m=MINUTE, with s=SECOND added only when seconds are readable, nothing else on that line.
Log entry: h=11 m=53 s=32
